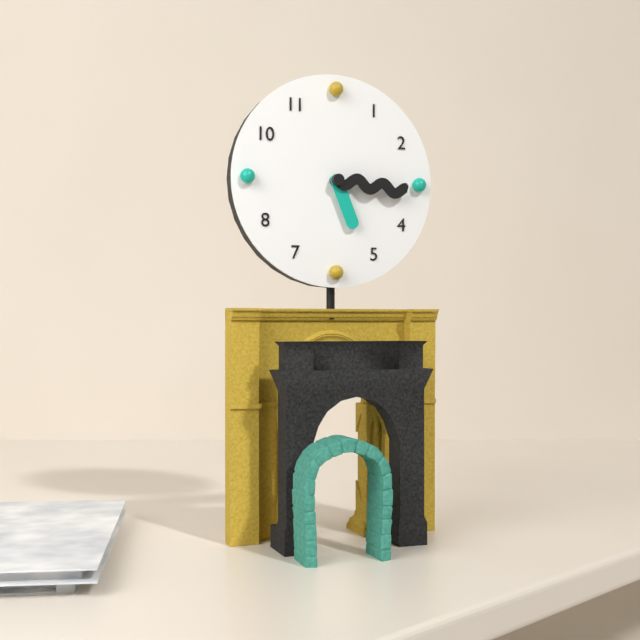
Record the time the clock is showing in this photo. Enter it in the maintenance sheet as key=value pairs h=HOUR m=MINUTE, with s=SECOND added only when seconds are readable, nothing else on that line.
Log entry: h=5 m=16
